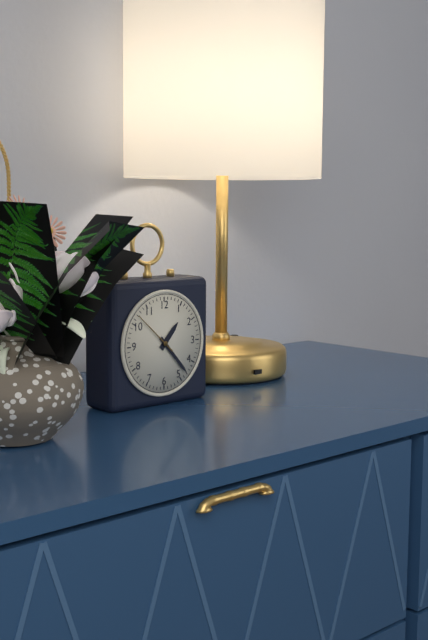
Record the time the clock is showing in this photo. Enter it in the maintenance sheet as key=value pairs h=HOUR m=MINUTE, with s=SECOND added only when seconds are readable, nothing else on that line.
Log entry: h=1 m=23
